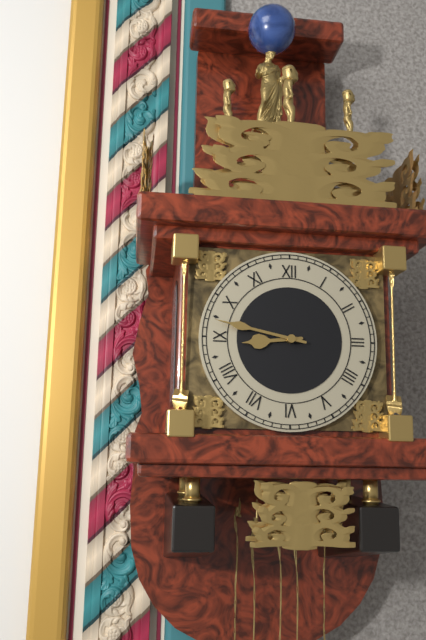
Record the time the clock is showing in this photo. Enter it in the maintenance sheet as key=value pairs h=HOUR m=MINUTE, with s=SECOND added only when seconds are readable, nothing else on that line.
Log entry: h=8 m=47
